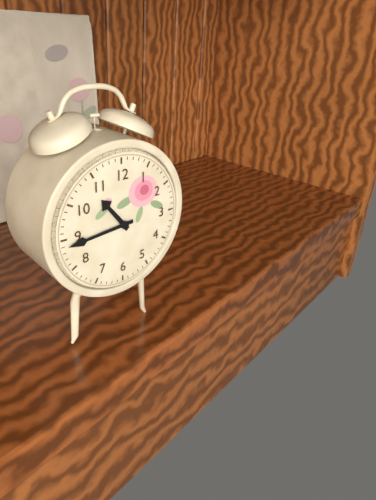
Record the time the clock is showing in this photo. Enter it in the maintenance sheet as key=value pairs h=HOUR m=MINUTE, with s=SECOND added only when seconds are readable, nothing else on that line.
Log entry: h=10 m=44
